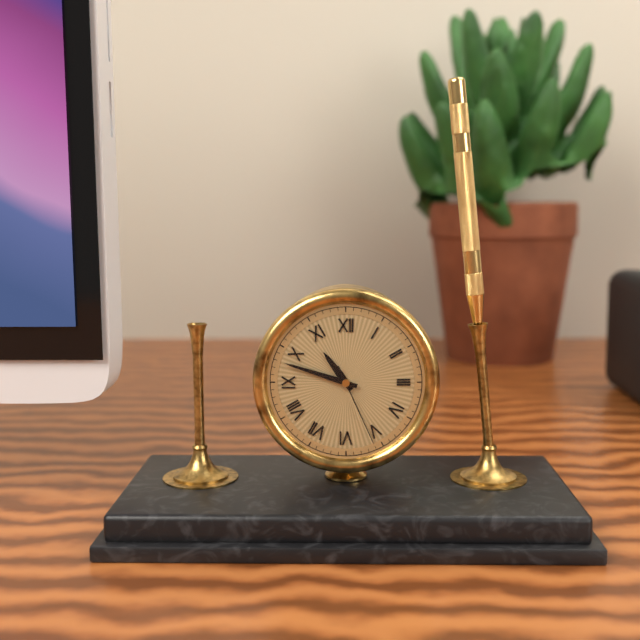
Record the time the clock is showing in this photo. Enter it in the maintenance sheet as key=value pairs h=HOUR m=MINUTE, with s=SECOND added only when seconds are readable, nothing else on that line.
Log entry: h=10 m=48 s=26
